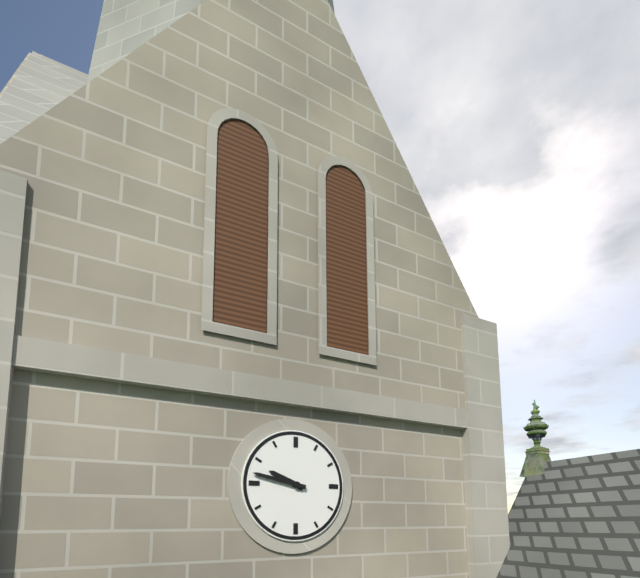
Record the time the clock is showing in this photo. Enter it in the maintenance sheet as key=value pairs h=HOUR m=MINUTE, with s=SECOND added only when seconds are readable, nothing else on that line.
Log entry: h=9 m=47
